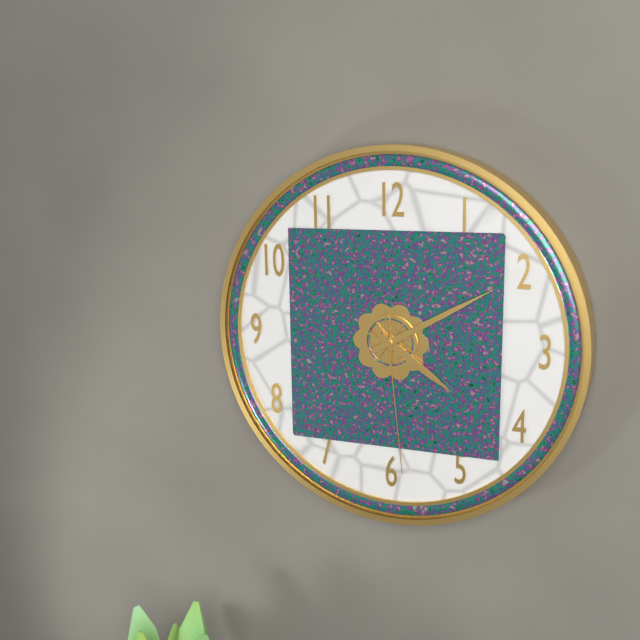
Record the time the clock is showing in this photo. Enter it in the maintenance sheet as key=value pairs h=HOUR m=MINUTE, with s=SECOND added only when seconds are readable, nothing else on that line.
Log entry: h=4 m=10 s=29
